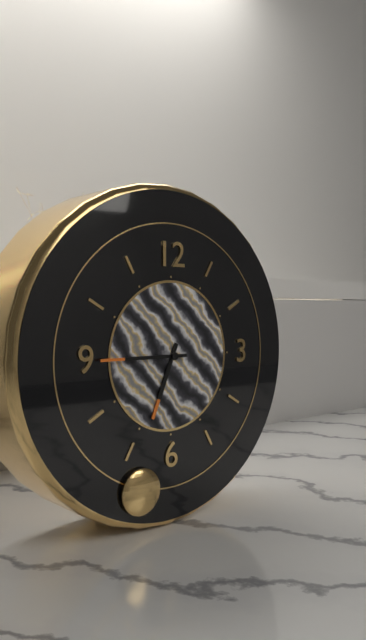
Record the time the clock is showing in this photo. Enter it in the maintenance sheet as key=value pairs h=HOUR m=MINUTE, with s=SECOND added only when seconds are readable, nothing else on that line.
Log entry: h=6 m=45
